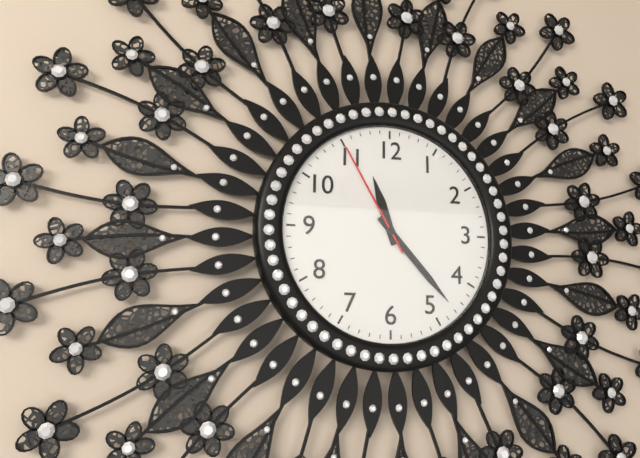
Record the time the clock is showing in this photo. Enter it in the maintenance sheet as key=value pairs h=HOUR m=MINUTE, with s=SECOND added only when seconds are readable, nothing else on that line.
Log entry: h=11 m=23 s=55
